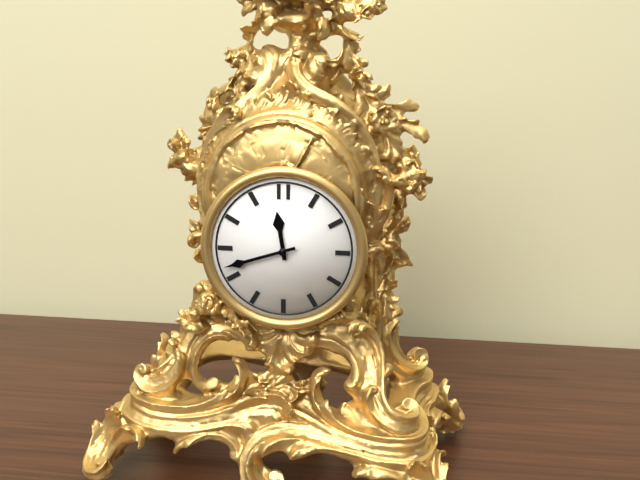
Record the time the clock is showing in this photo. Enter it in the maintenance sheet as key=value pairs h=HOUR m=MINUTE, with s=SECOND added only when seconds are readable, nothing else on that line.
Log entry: h=11 m=42
